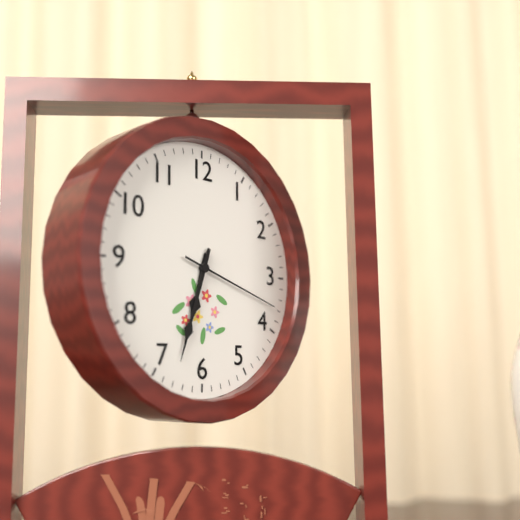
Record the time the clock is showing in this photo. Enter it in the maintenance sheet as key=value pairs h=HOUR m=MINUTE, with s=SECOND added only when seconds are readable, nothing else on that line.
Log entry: h=6 m=33 s=18
